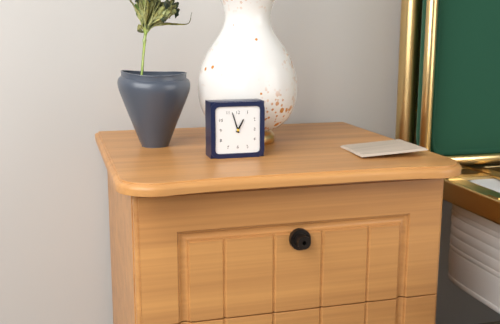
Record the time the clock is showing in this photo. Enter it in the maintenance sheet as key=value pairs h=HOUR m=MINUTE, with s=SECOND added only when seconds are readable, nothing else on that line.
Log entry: h=12 m=57
